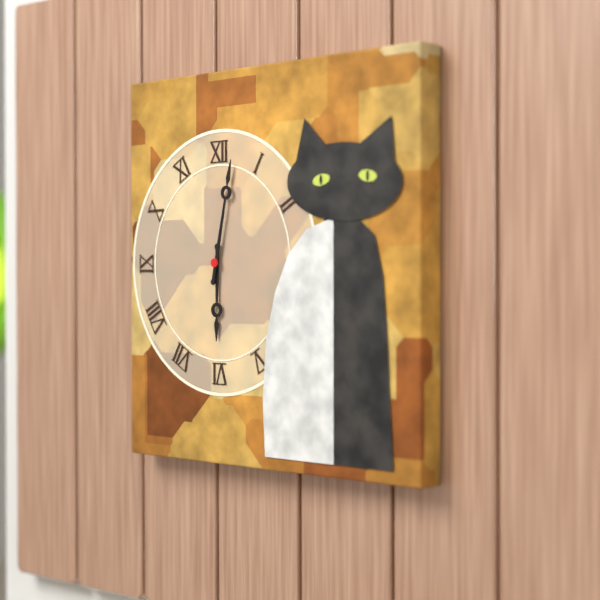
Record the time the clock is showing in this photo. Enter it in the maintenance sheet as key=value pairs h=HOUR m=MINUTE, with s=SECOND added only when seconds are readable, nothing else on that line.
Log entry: h=6 m=2
